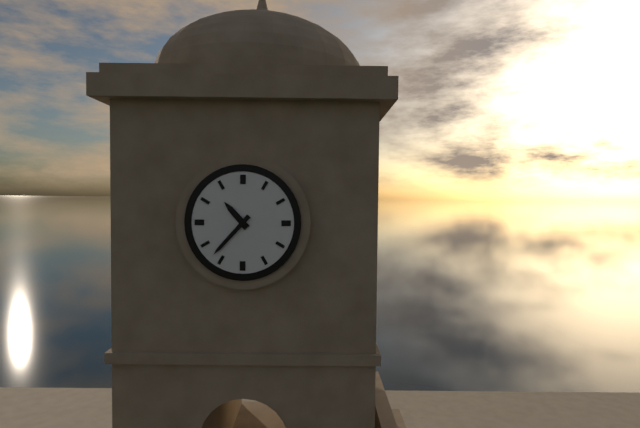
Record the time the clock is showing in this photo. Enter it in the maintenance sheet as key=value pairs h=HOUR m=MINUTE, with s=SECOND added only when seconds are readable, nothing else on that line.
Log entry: h=10 m=37
